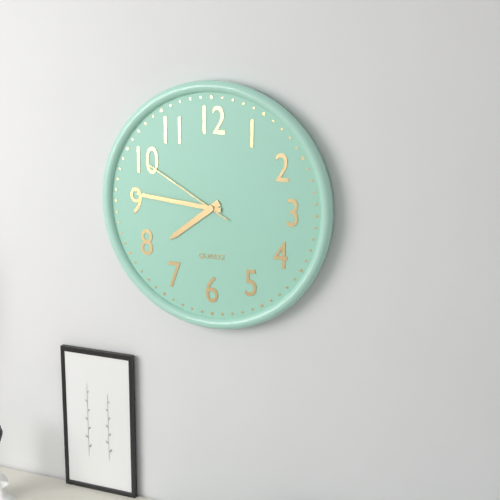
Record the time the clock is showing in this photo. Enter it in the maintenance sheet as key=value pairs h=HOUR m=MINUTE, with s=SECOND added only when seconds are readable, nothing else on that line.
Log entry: h=7 m=46 s=50
